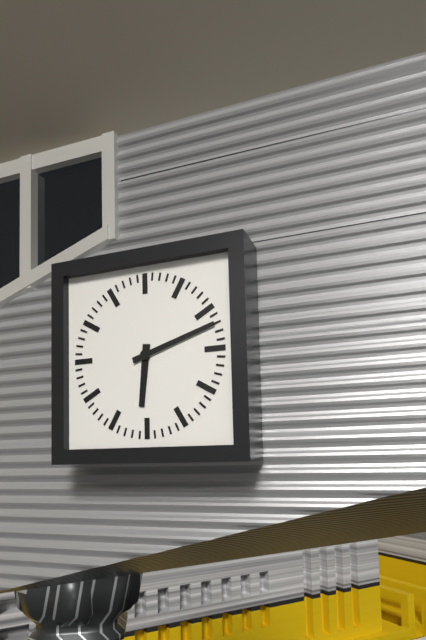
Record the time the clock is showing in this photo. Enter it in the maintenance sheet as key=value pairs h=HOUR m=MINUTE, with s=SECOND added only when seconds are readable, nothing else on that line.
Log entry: h=6 m=12
